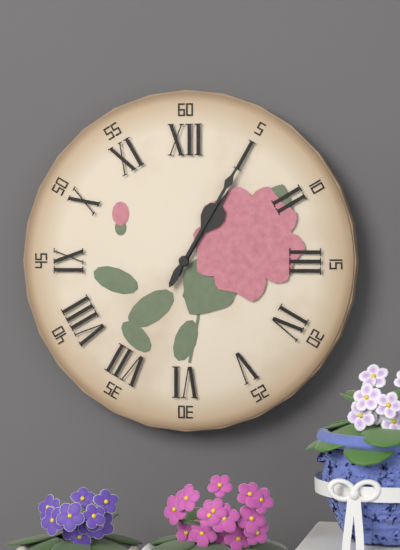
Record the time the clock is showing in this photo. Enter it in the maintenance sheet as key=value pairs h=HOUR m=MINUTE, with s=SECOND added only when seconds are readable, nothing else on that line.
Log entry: h=1 m=5
